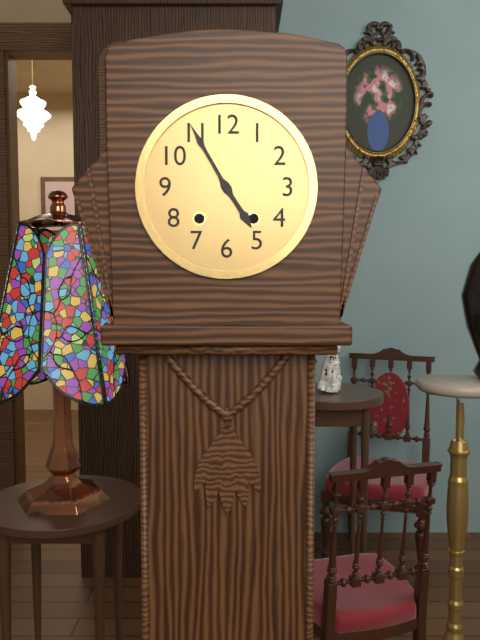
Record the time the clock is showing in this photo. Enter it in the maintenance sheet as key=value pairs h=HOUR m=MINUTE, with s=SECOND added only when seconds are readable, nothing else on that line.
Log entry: h=4 m=55
